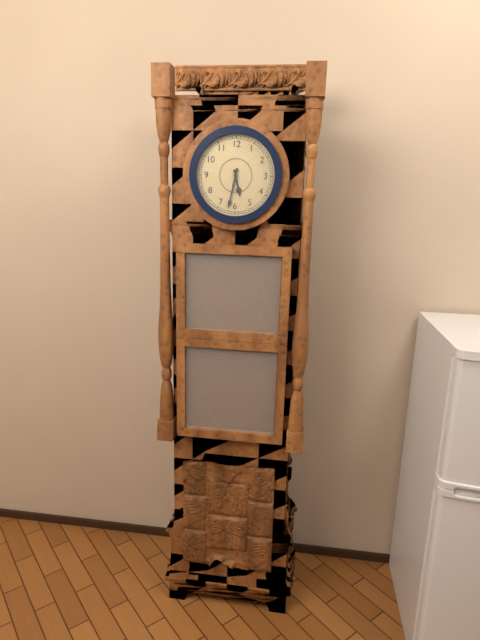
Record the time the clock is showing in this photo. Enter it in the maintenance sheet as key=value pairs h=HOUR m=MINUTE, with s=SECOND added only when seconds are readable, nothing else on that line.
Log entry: h=5 m=32
